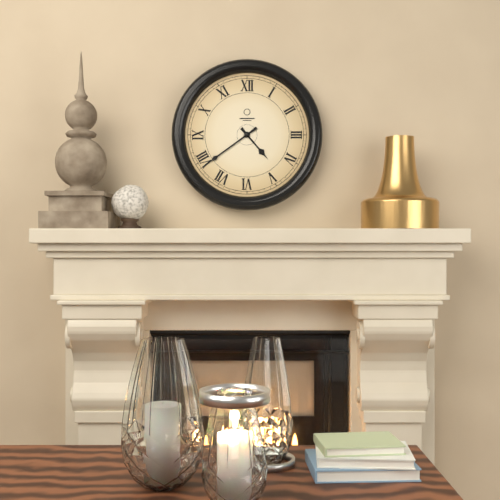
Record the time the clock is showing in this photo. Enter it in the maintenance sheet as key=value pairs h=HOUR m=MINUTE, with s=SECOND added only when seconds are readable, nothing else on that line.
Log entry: h=4 m=39
